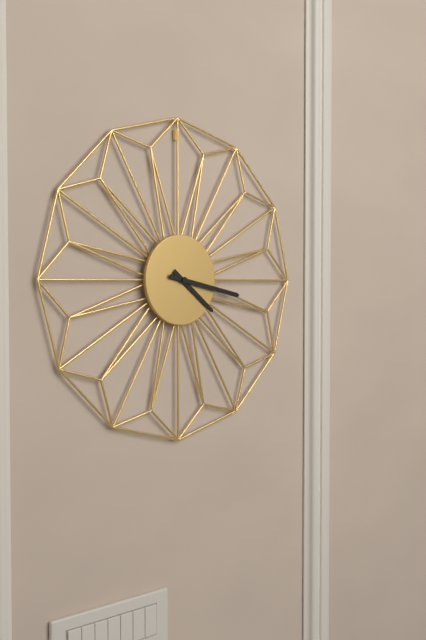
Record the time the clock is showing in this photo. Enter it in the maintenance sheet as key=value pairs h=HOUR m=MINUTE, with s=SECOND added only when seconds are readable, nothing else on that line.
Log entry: h=4 m=17
